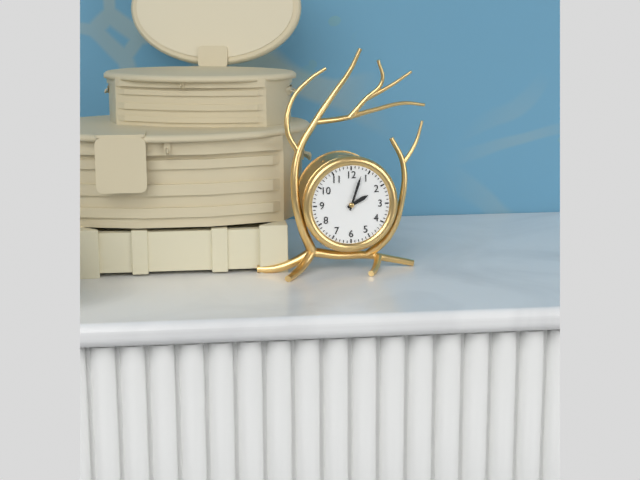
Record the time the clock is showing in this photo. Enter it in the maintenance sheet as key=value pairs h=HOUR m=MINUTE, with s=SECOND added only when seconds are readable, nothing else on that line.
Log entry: h=2 m=3
